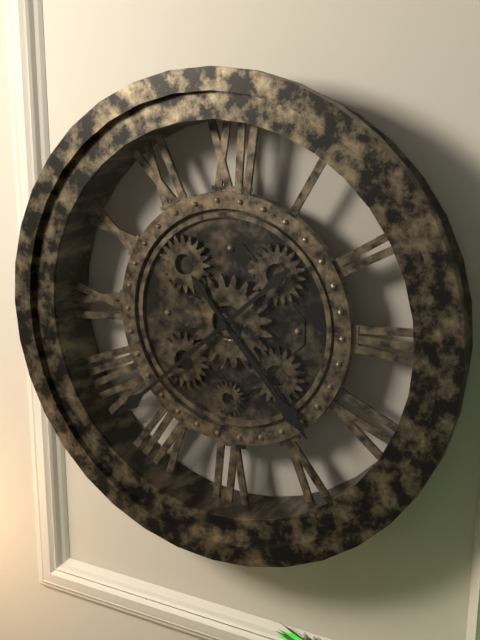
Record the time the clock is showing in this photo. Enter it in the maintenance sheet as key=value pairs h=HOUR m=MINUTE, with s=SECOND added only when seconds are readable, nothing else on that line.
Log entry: h=4 m=38
